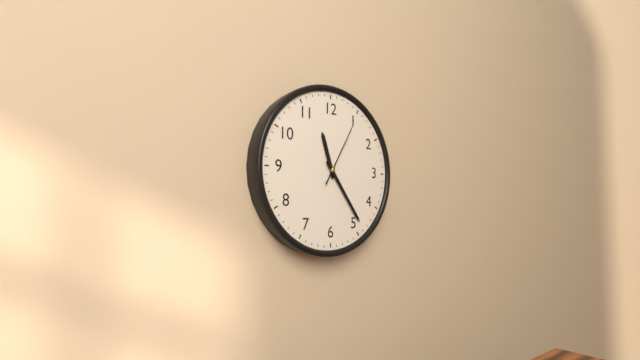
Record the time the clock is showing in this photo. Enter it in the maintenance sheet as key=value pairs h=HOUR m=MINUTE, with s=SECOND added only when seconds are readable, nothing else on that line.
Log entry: h=11 m=24 s=5
